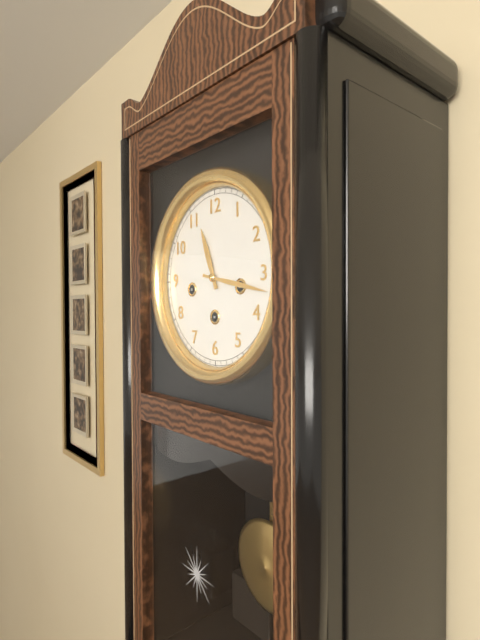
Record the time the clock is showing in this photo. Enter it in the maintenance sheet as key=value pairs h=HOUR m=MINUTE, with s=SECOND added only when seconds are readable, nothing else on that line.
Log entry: h=11 m=17
